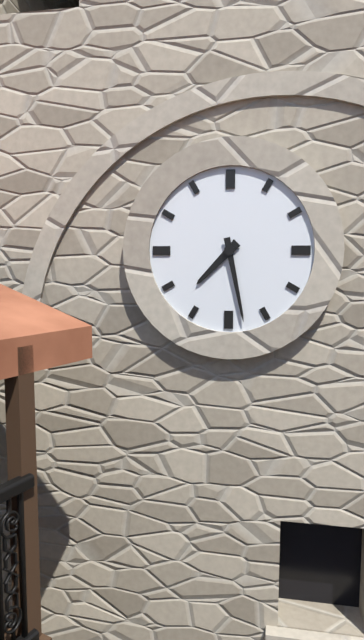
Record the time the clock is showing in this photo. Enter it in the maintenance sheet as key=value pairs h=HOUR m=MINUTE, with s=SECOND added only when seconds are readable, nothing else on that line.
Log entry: h=7 m=28
